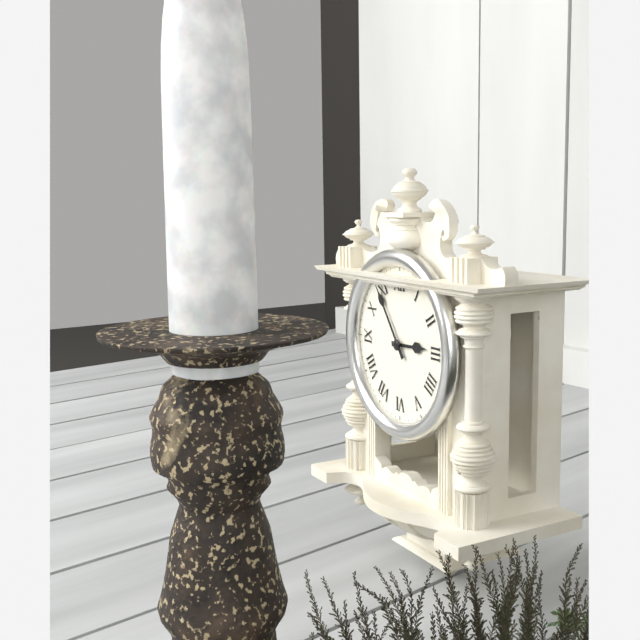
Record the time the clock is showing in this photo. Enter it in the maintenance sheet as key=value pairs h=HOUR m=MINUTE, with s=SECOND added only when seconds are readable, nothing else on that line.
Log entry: h=2 m=54
